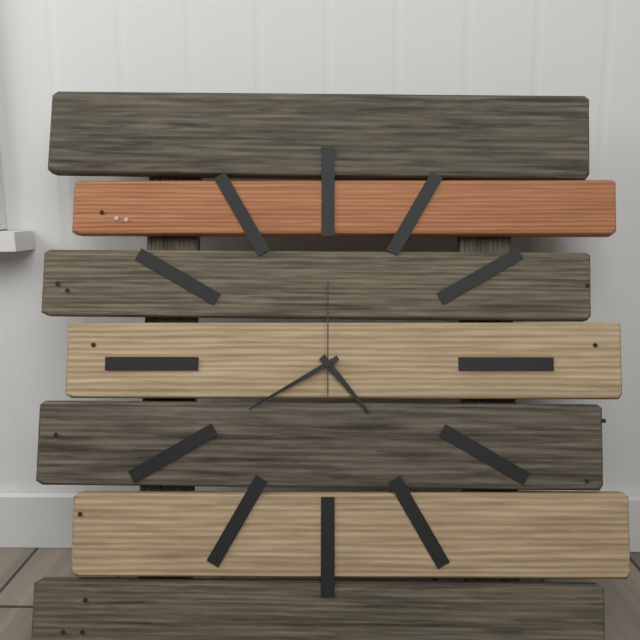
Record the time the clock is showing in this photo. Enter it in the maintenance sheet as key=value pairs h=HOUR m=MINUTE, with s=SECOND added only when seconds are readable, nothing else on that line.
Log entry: h=4 m=40 s=0
